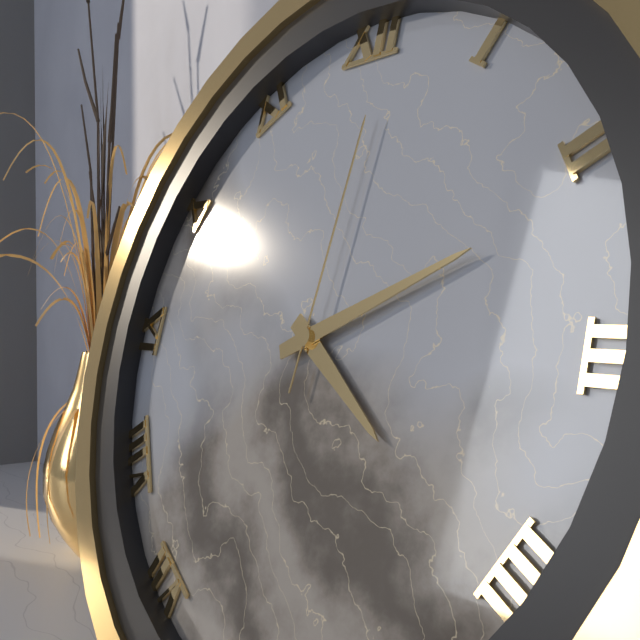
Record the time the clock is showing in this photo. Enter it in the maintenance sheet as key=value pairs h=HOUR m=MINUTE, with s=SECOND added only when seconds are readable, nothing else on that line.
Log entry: h=4 m=11 s=1
